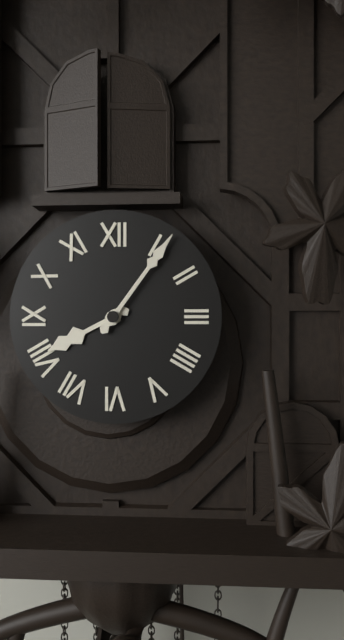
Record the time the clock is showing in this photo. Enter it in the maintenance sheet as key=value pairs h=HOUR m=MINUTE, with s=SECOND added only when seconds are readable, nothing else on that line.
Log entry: h=8 m=6
